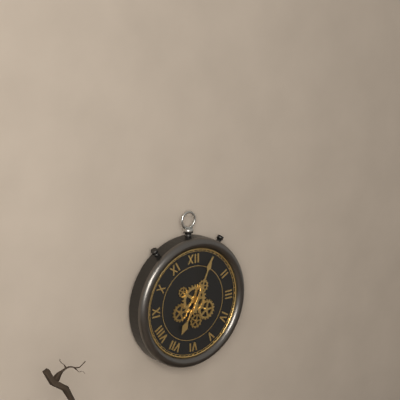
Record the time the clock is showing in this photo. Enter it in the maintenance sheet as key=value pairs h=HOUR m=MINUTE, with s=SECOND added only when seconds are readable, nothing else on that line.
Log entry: h=7 m=4
